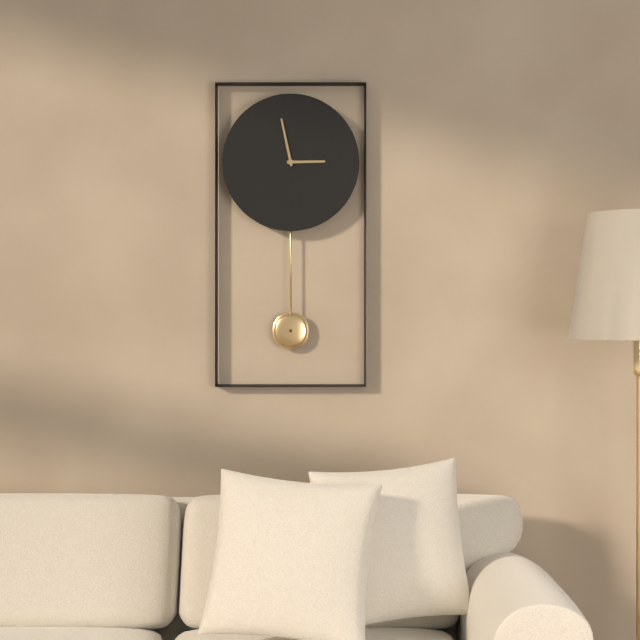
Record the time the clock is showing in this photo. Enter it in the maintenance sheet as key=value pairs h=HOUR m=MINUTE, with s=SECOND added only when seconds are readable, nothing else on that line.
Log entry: h=2 m=58
